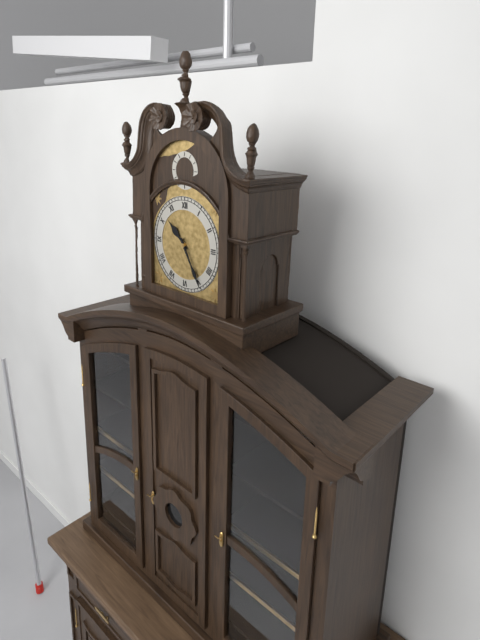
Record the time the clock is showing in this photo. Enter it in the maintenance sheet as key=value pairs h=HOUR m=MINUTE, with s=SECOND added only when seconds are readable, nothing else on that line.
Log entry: h=10 m=25
